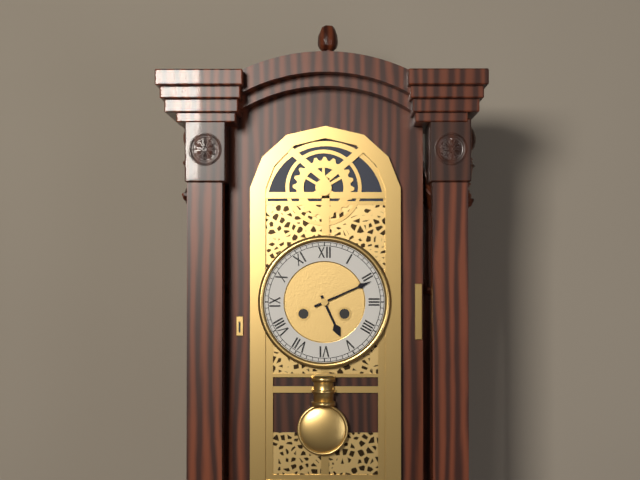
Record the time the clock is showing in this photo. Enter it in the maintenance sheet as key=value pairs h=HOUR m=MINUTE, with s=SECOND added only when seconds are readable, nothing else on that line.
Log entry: h=5 m=11
